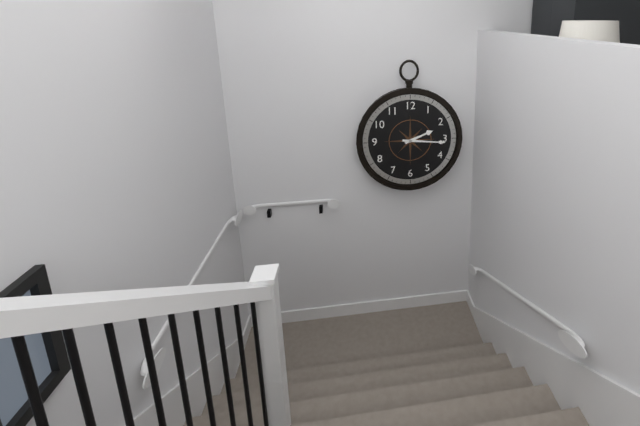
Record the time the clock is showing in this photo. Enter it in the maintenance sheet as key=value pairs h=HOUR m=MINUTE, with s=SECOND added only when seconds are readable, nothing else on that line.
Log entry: h=2 m=16
